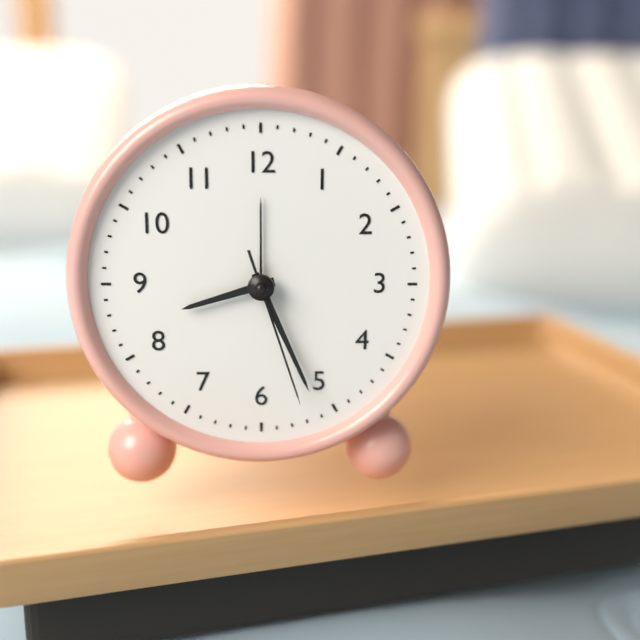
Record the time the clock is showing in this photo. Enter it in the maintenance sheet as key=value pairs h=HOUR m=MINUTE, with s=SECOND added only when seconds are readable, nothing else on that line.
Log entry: h=8 m=26 s=27
